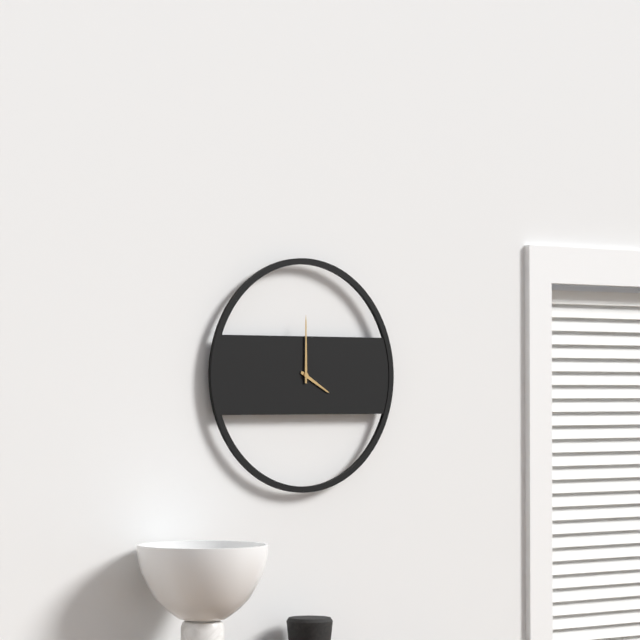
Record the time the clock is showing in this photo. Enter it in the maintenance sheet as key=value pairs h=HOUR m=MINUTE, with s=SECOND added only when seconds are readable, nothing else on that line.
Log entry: h=4 m=0
